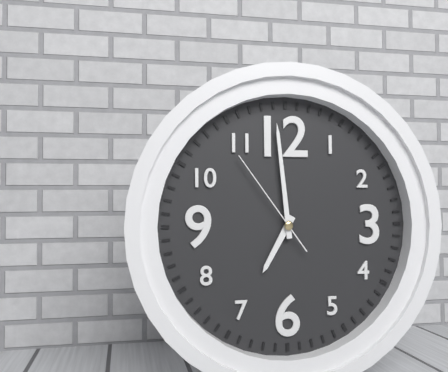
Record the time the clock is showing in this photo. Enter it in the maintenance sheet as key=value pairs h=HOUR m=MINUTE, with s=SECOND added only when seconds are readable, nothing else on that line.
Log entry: h=6 m=59 s=54
